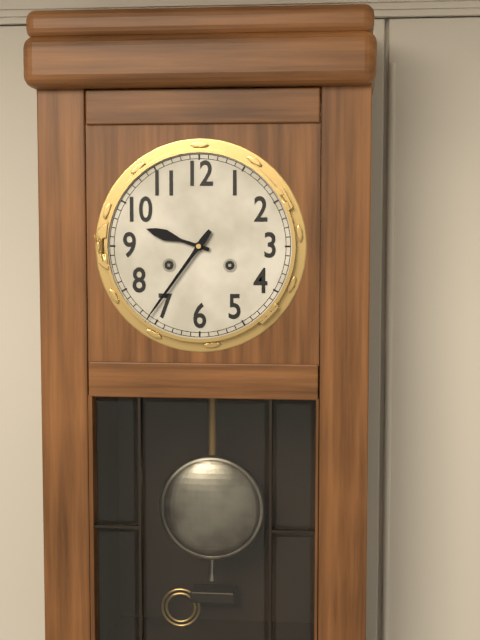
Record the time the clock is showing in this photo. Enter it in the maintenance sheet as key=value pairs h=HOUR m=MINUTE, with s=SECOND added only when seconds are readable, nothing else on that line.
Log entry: h=9 m=36
